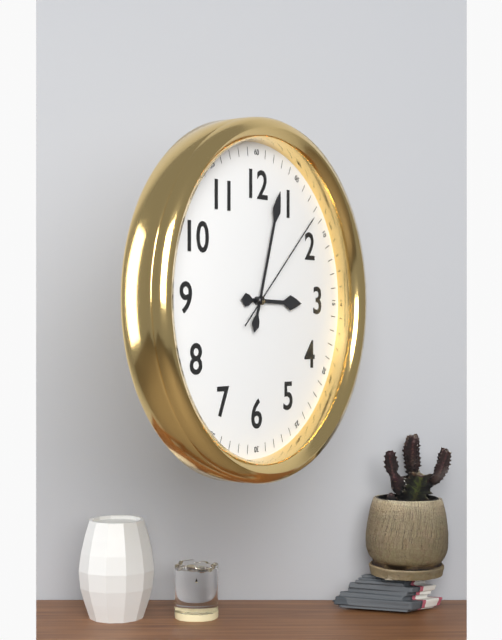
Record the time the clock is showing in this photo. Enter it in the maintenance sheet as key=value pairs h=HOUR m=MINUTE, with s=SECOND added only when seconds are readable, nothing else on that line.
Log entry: h=3 m=3 s=8
